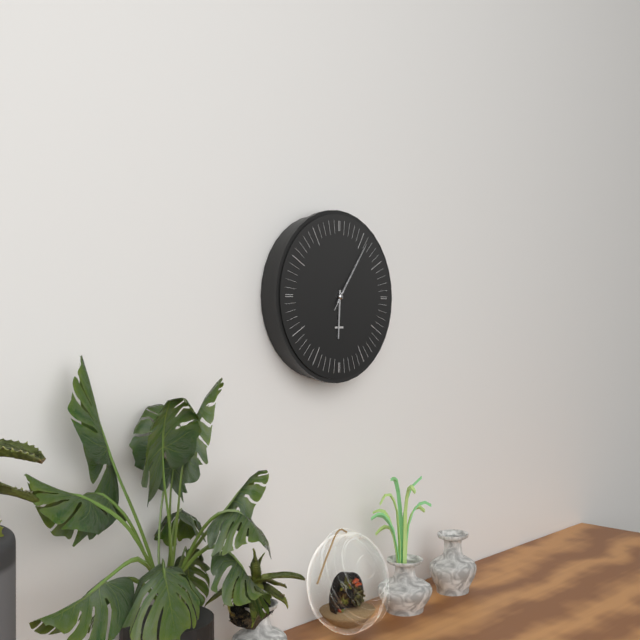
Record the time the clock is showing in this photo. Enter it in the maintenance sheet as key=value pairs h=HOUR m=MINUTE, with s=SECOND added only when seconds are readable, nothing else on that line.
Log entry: h=6 m=6 s=6
